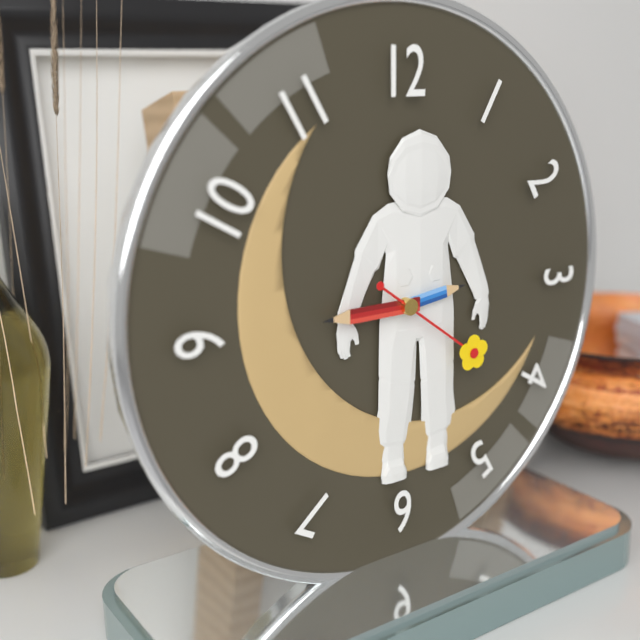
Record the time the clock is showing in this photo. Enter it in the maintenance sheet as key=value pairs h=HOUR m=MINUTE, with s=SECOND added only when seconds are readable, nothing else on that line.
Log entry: h=2 m=45 s=21
